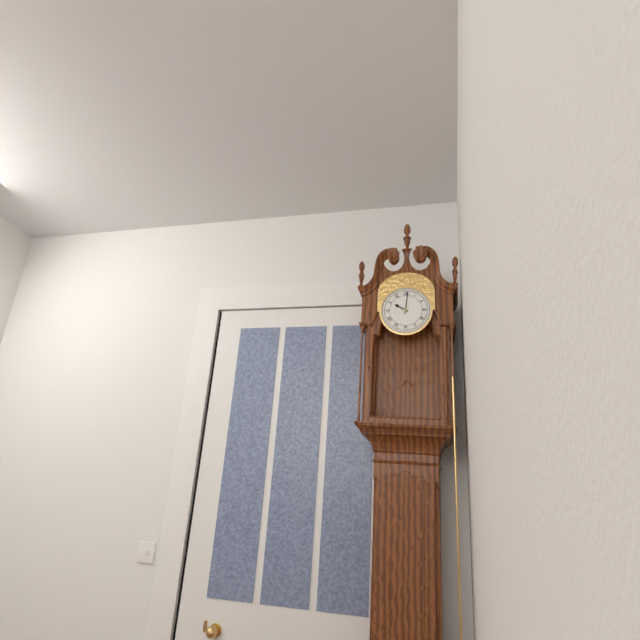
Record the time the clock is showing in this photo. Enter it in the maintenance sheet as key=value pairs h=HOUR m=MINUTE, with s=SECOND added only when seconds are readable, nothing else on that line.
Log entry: h=10 m=1
